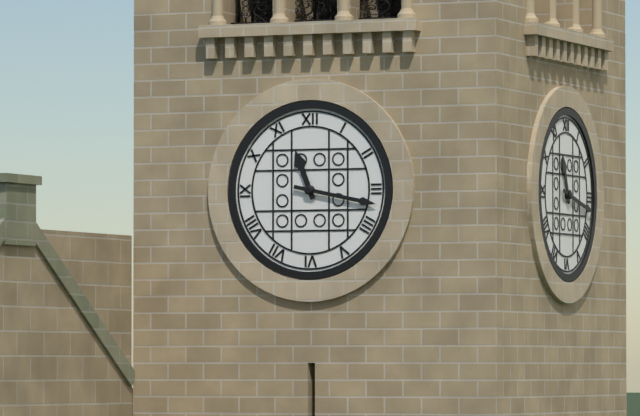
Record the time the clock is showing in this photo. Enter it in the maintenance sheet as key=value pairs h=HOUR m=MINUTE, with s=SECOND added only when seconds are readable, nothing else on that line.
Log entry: h=11 m=17
